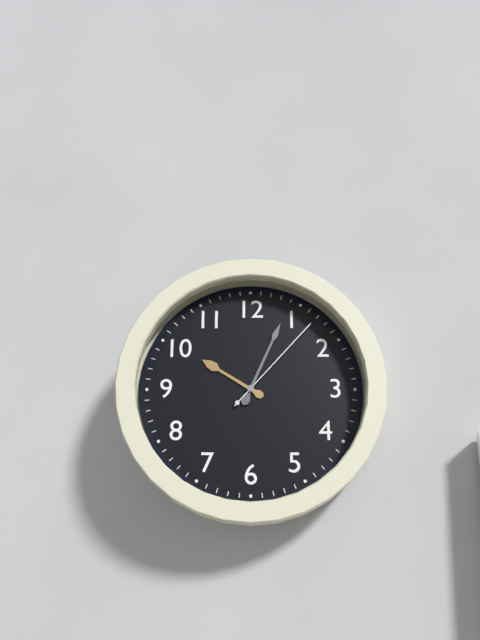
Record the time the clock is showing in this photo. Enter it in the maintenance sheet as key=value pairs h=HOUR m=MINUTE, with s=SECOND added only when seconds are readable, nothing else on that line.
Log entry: h=10 m=4 s=7
